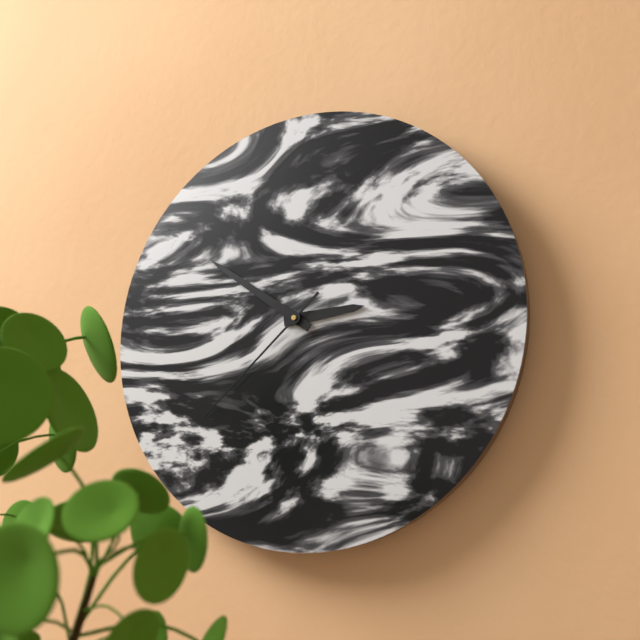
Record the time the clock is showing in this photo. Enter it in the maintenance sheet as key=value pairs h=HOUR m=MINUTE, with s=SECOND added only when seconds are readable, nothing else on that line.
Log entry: h=2 m=51 s=38
